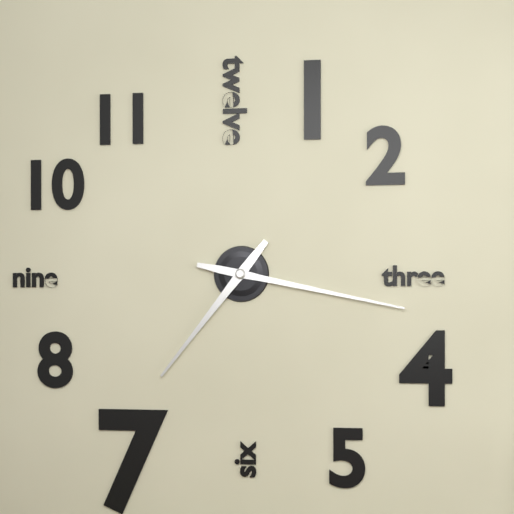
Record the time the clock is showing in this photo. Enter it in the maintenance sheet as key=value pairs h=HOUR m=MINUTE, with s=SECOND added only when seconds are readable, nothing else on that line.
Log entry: h=7 m=17
